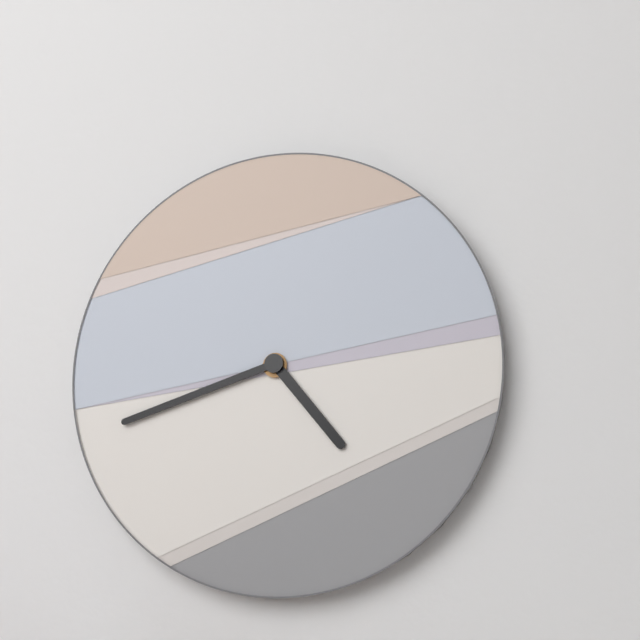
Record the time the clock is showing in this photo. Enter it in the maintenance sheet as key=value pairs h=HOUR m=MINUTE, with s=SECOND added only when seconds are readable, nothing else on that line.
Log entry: h=4 m=42
